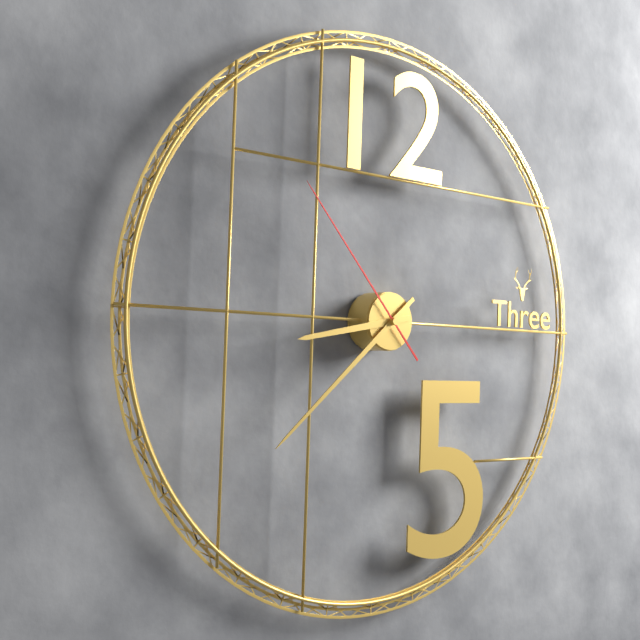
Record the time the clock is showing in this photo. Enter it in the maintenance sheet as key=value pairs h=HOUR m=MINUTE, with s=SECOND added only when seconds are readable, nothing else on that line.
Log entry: h=8 m=38 s=53
